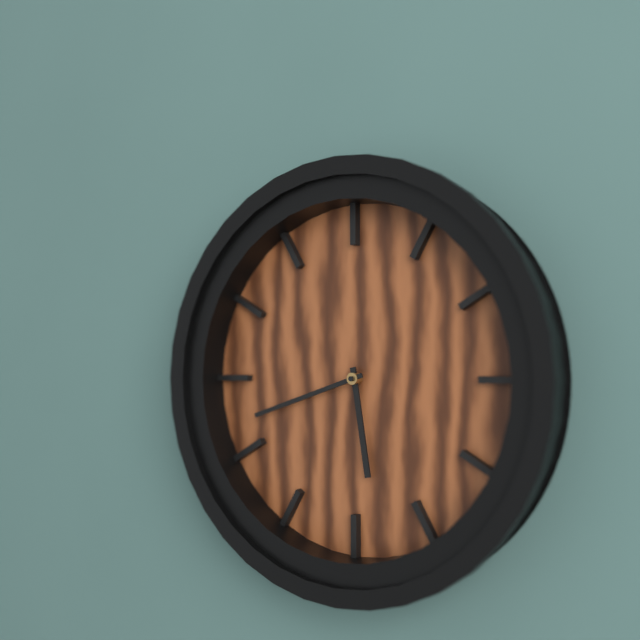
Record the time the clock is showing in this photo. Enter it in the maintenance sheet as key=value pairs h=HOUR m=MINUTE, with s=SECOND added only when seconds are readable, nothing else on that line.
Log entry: h=5 m=42
